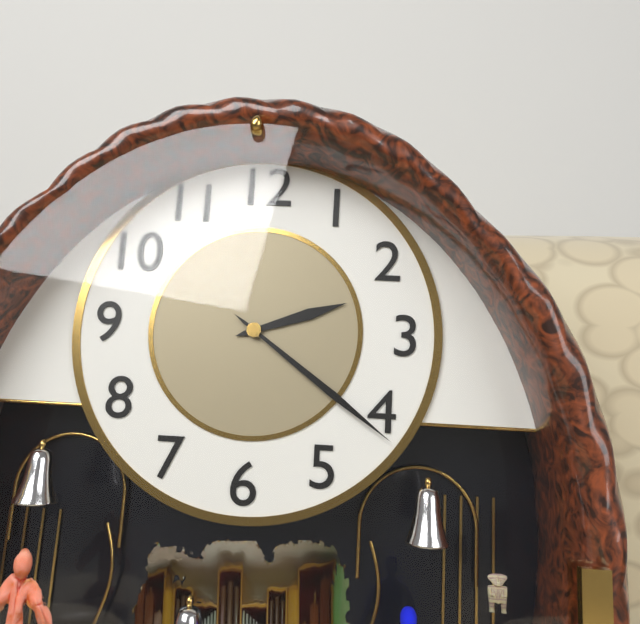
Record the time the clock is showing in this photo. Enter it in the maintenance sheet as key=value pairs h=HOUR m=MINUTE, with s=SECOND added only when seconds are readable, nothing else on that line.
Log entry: h=2 m=21
